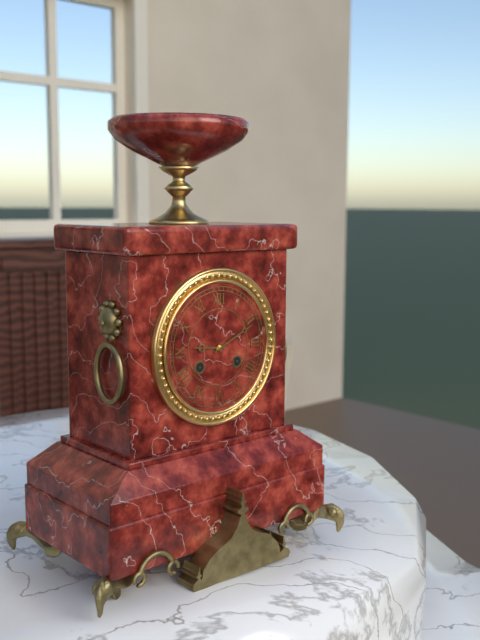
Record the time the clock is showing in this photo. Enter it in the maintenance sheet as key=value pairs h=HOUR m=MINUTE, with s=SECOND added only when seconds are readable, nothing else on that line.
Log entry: h=9 m=11
